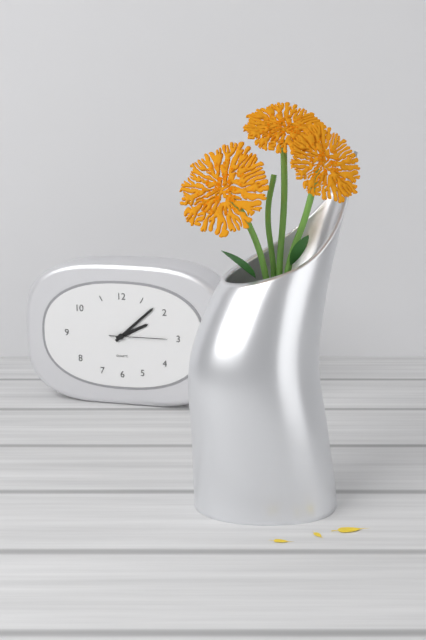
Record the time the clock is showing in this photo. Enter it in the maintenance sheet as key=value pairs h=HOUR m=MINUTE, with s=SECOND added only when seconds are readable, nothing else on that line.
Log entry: h=2 m=8 s=15
